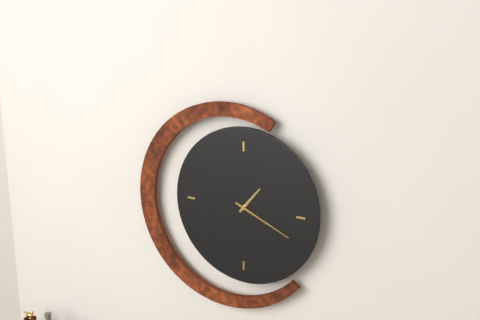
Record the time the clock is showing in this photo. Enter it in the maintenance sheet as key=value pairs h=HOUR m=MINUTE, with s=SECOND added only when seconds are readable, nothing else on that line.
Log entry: h=1 m=19
